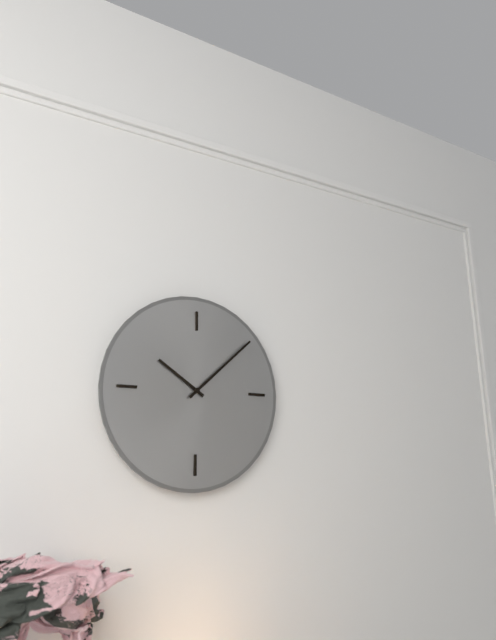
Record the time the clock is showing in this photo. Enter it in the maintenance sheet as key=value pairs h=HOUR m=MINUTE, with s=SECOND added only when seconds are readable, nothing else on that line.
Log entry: h=10 m=8
